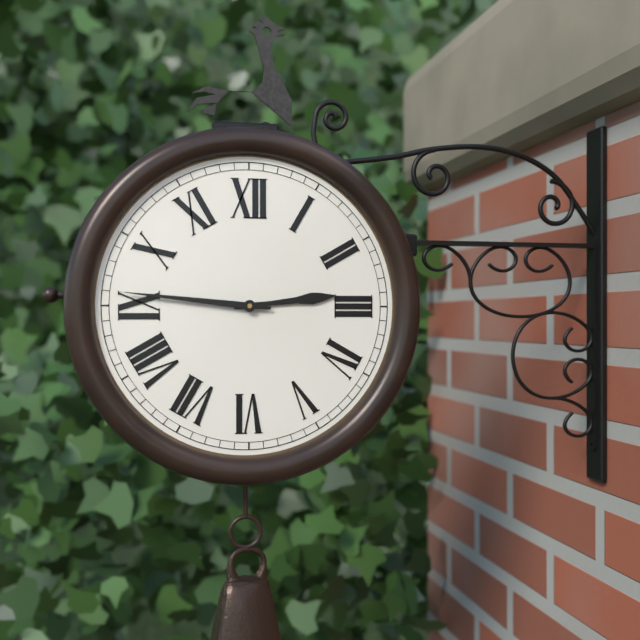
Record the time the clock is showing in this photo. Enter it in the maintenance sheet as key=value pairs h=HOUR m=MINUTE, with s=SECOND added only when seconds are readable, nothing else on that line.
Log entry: h=2 m=46
